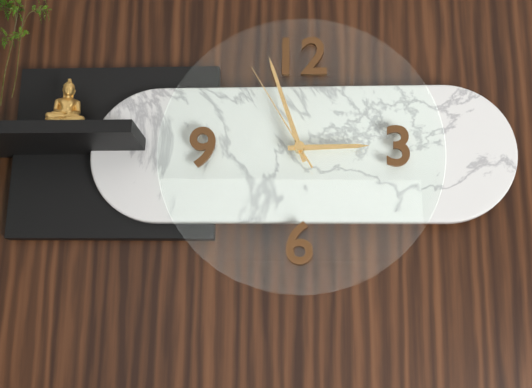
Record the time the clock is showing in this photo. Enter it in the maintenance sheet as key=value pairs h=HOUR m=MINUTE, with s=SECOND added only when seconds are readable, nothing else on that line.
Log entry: h=2 m=57 s=55
